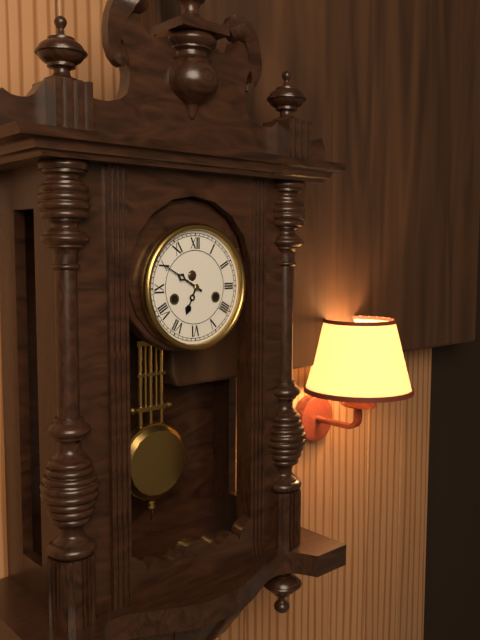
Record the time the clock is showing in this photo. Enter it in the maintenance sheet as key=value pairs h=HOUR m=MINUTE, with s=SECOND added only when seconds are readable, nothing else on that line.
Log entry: h=6 m=50
